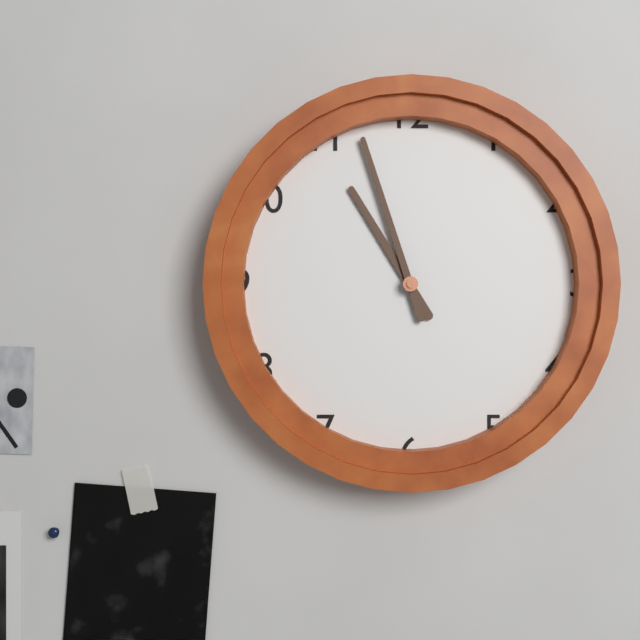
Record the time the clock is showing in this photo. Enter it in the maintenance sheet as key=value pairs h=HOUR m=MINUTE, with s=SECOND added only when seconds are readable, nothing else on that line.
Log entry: h=10 m=57
